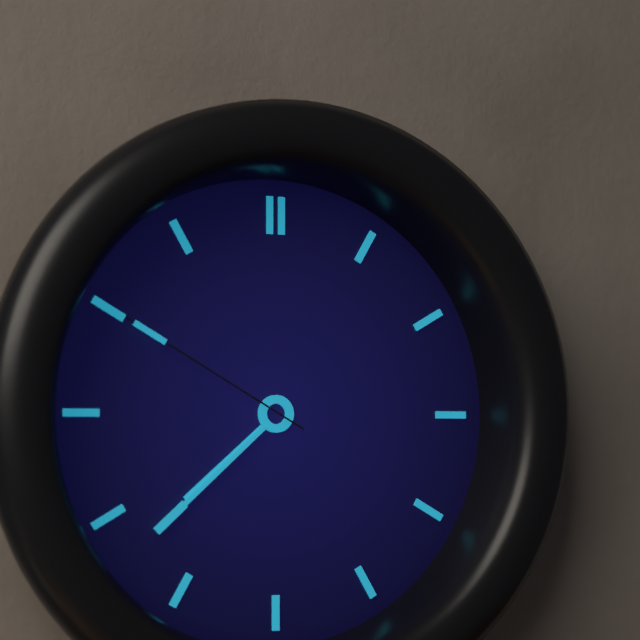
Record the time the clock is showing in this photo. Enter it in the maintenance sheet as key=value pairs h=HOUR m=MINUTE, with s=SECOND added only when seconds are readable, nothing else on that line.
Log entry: h=7 m=38 s=50
